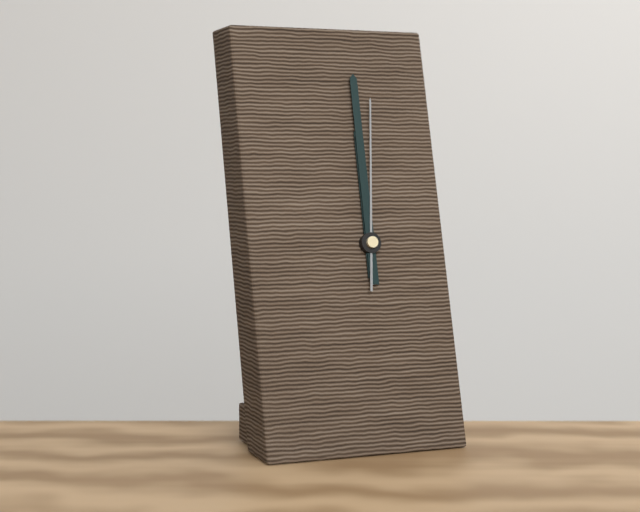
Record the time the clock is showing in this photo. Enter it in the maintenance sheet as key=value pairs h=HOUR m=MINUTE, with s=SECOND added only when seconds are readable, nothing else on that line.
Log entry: h=12 m=0 s=1
